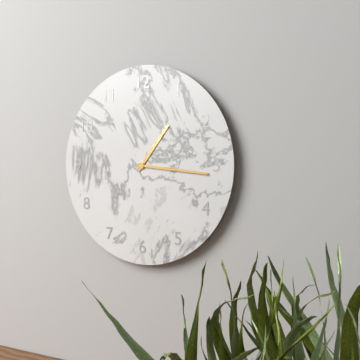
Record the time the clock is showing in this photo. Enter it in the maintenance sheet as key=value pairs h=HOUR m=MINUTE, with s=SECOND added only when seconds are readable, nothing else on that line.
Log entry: h=1 m=16
